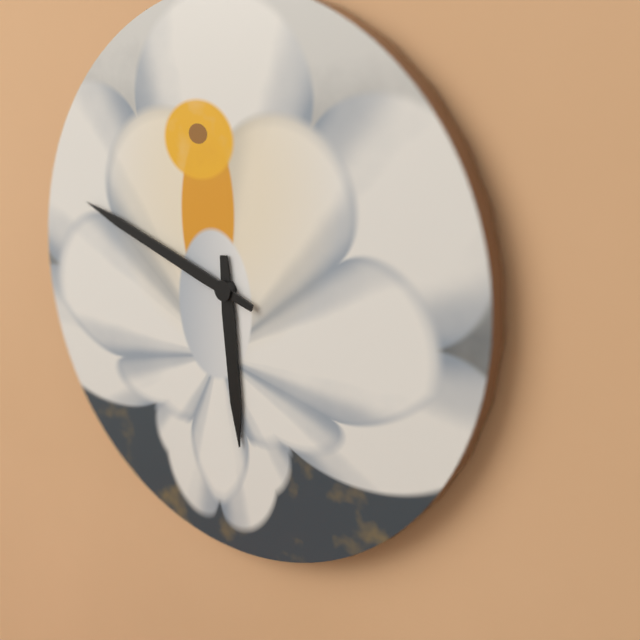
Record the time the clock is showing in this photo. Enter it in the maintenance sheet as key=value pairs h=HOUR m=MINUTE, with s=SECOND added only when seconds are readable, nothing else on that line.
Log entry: h=5 m=48
